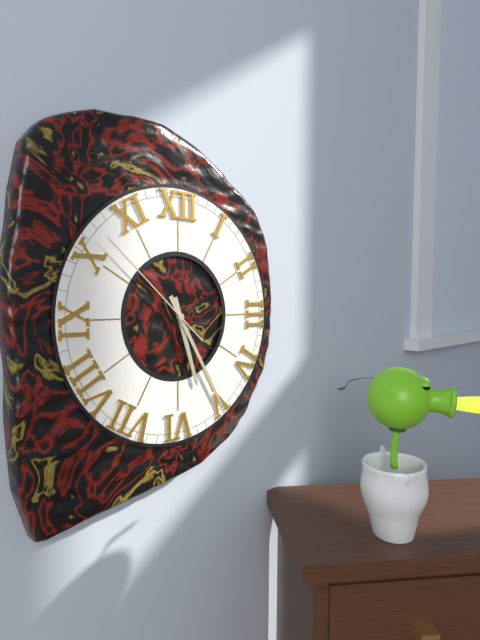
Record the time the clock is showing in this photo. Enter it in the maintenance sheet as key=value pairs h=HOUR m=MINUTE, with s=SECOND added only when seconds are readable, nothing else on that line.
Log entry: h=5 m=25 s=52
